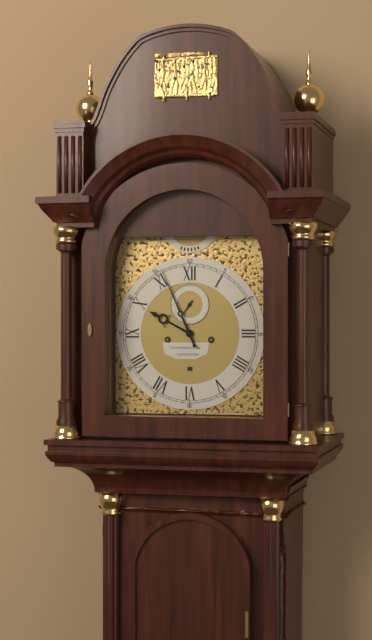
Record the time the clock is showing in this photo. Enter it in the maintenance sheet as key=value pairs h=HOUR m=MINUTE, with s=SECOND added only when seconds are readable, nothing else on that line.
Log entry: h=9 m=56
